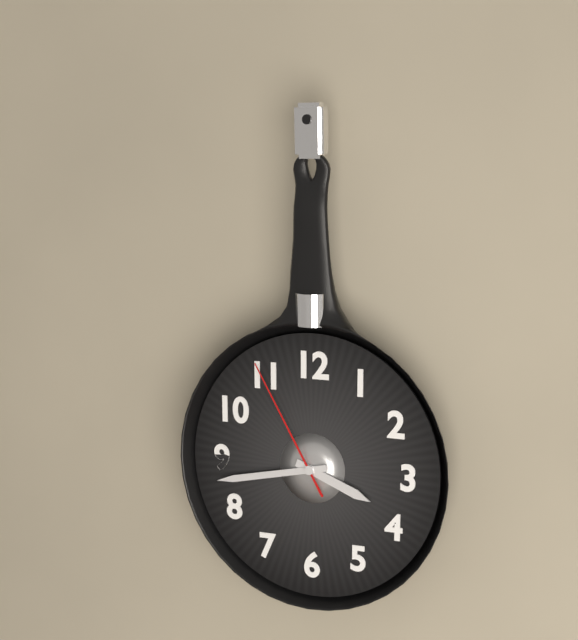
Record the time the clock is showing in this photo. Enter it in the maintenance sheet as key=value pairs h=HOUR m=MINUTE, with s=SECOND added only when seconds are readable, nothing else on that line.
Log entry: h=3 m=43 s=55
